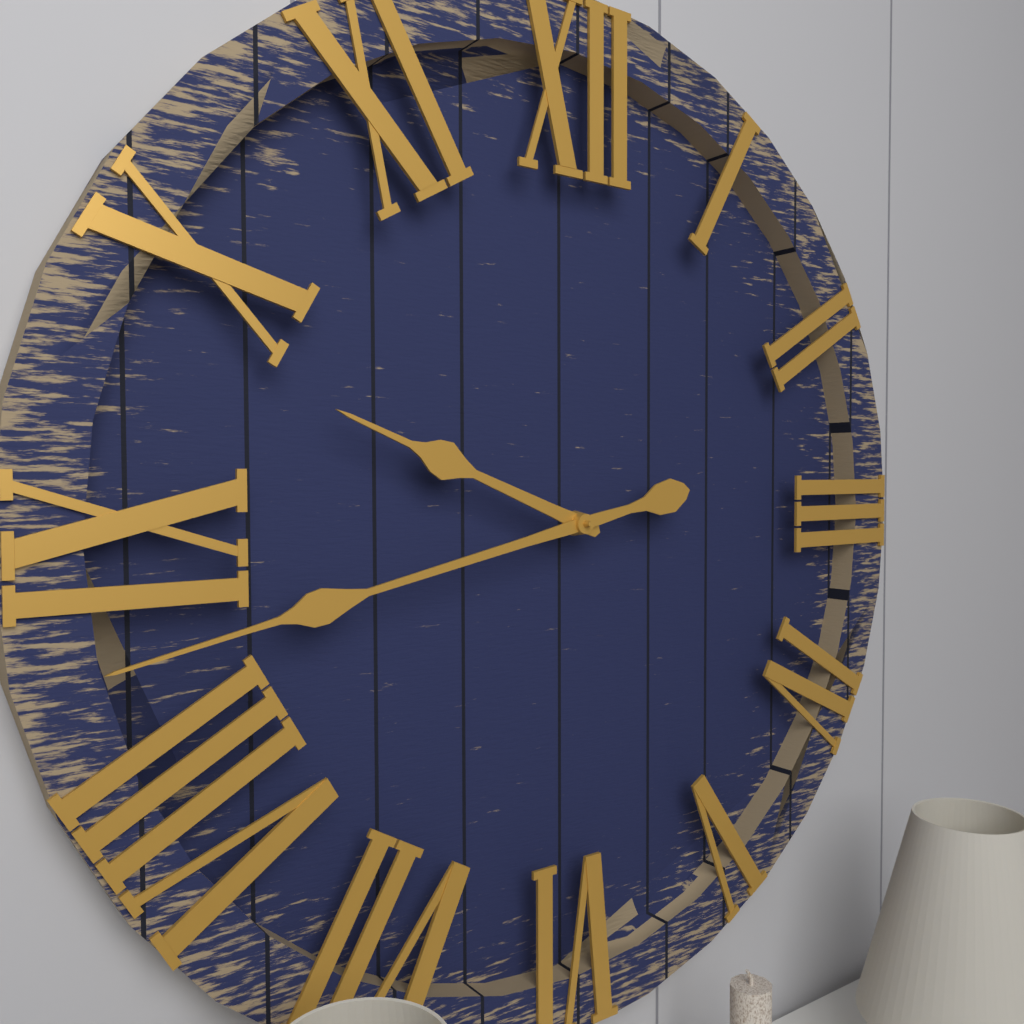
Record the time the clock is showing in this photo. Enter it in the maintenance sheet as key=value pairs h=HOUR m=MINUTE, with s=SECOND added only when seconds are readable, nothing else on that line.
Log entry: h=9 m=43
